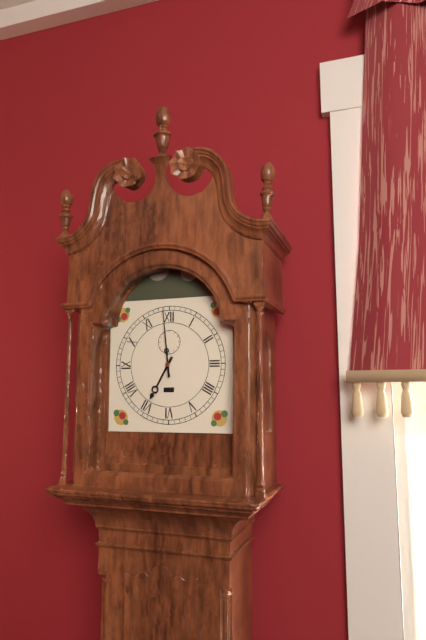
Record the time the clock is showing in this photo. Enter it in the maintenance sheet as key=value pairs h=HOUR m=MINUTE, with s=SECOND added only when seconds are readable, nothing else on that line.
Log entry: h=6 m=59
